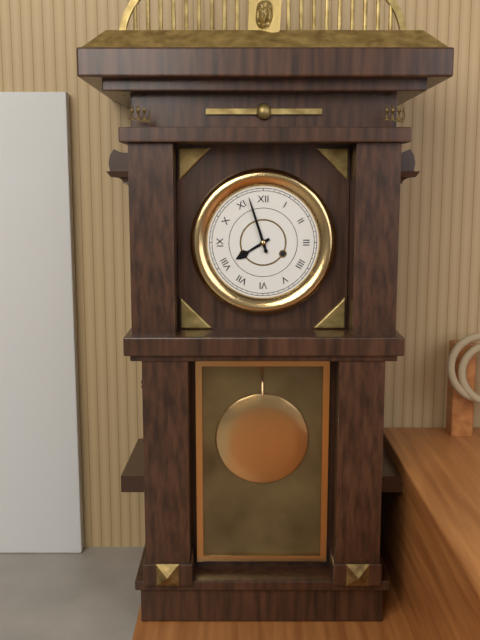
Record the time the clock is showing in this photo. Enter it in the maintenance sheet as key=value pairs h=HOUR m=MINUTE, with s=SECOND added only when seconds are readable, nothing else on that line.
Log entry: h=7 m=57
